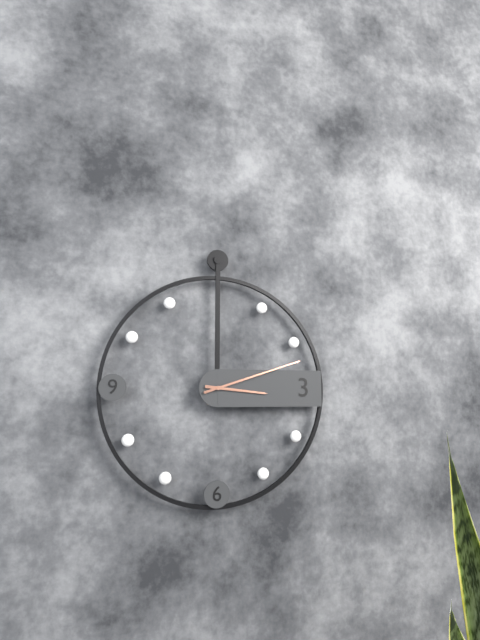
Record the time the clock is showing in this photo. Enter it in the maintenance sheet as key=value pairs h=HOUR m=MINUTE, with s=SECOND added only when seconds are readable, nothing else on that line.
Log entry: h=3 m=12
